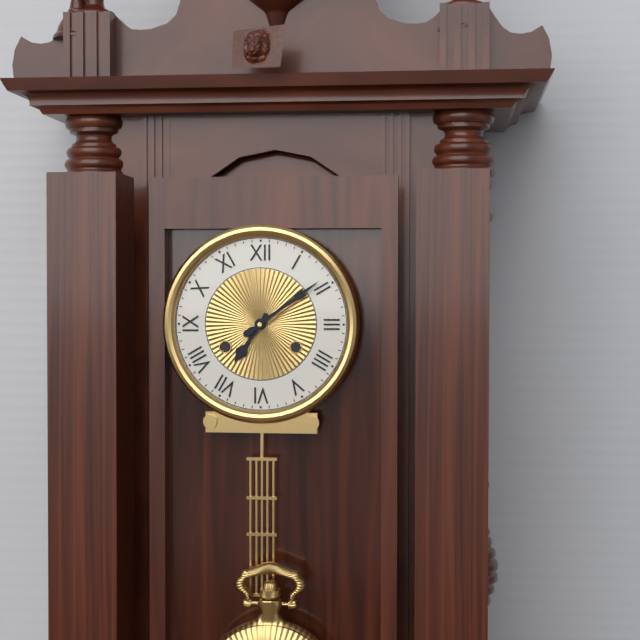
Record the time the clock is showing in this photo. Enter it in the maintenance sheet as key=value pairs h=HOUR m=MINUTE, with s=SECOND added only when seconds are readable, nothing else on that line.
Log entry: h=7 m=9
